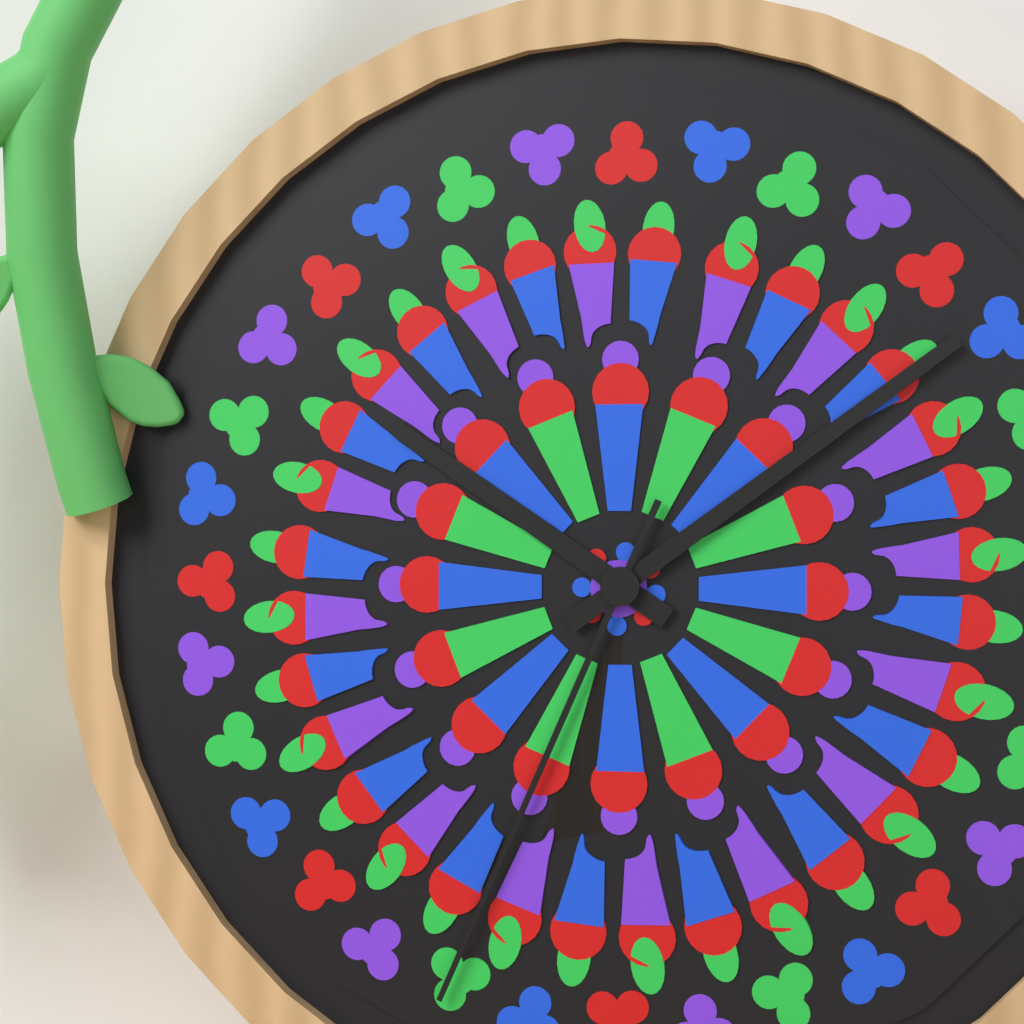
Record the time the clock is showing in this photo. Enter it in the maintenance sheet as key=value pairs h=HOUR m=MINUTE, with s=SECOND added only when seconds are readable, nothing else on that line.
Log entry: h=10 m=9 s=34
